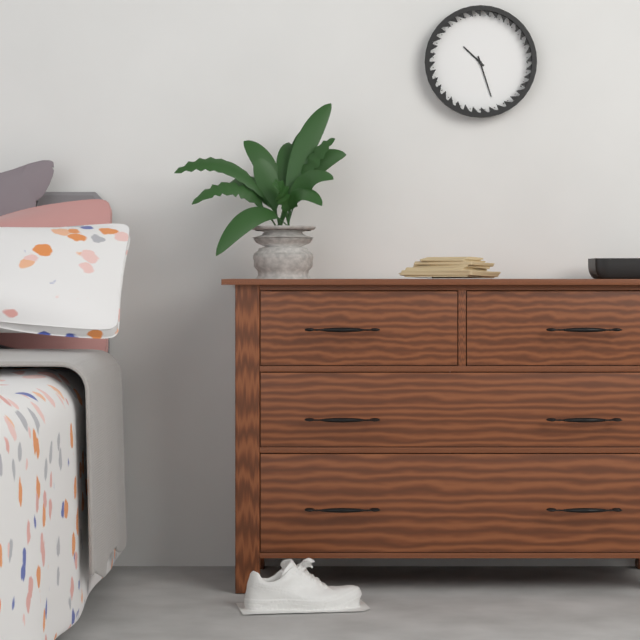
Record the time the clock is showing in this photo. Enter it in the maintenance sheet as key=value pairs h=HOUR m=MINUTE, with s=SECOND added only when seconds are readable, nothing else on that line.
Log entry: h=10 m=27
